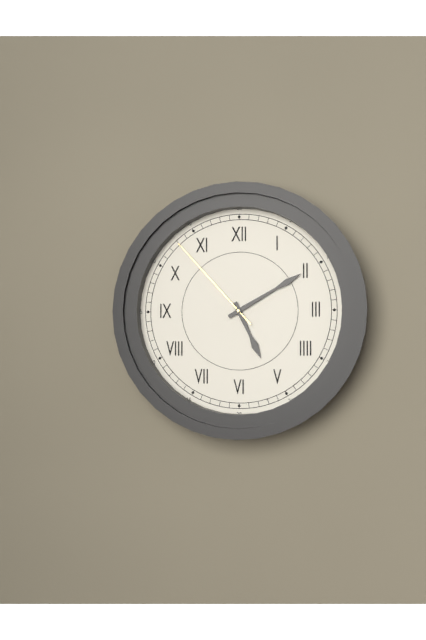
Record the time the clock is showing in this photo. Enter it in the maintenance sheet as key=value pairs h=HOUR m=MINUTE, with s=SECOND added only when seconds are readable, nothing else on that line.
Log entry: h=5 m=10 s=53
